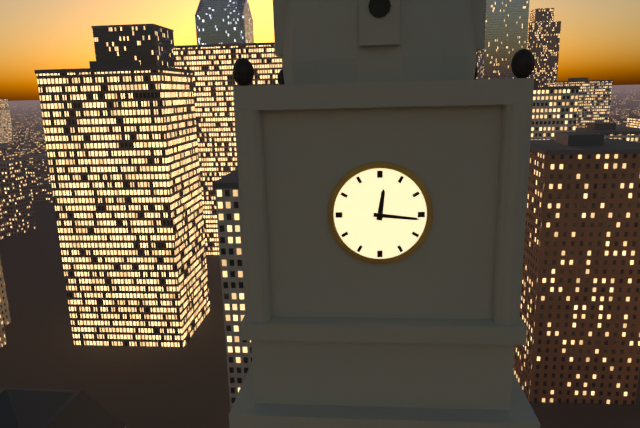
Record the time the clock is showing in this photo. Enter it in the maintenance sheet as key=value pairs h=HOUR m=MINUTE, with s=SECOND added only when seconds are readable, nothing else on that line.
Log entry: h=12 m=16
